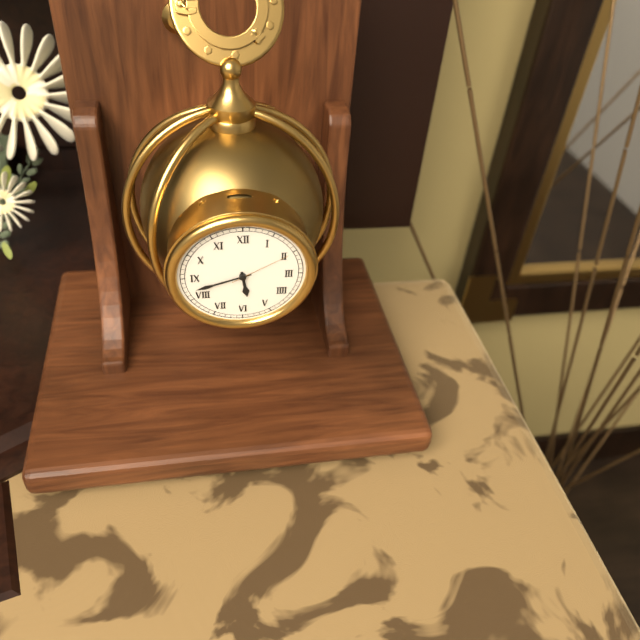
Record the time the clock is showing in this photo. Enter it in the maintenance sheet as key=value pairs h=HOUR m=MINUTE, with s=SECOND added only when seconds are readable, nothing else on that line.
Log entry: h=5 m=42 s=10
